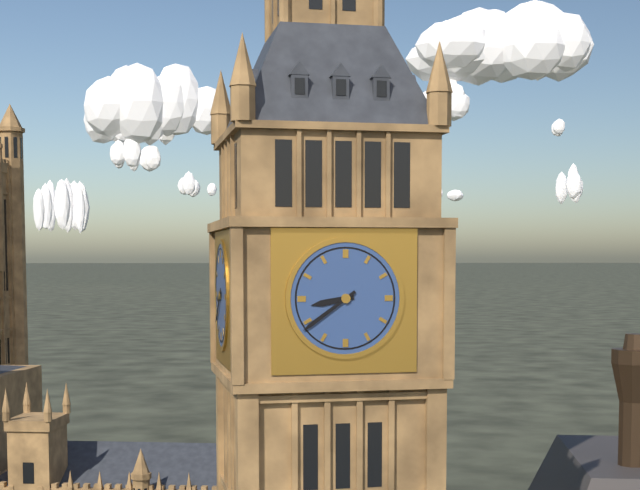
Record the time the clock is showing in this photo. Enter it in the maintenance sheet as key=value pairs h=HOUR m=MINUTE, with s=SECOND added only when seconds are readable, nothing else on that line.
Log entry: h=8 m=39
